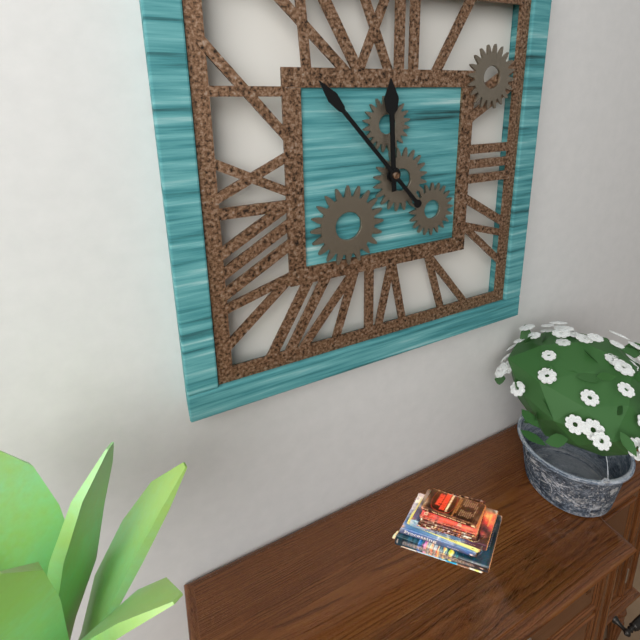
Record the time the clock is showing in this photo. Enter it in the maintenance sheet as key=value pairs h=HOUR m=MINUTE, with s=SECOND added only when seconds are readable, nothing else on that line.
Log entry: h=11 m=53
